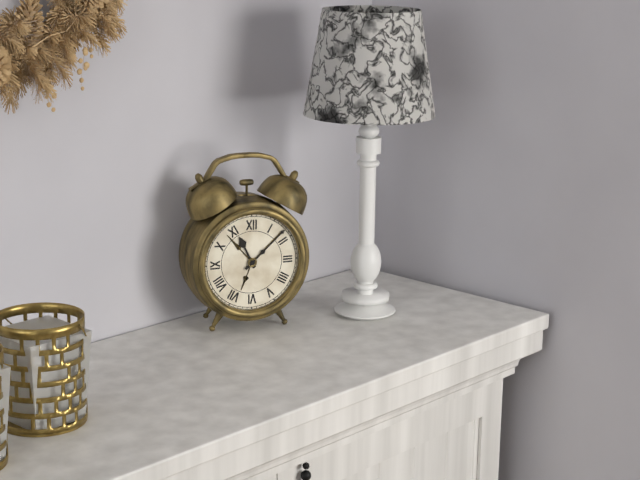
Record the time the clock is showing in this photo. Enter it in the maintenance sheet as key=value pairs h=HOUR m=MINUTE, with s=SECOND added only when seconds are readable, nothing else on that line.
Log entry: h=11 m=8
